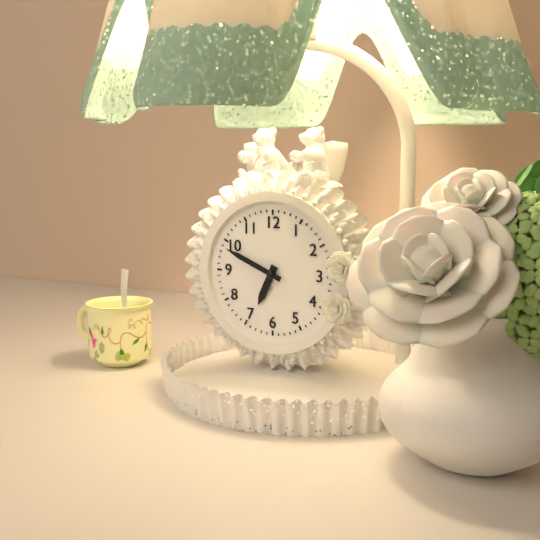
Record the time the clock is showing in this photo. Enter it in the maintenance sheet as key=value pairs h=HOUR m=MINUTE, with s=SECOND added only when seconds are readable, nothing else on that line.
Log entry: h=6 m=49
